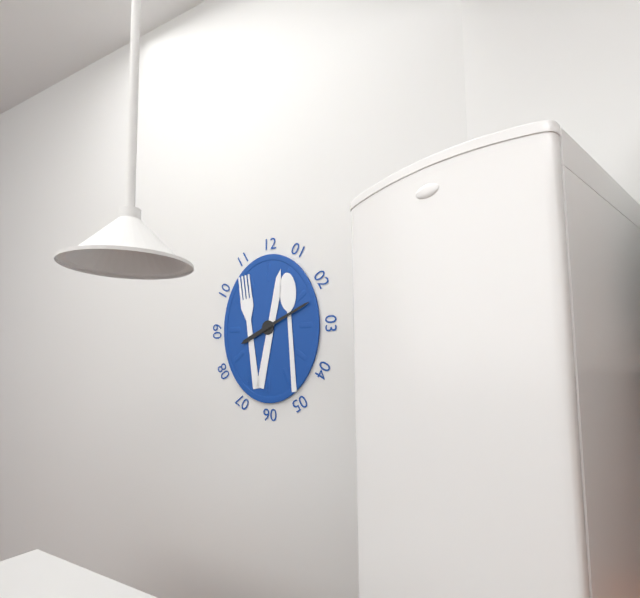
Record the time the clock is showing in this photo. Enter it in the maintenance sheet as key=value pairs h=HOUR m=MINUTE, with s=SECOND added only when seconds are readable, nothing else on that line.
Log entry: h=8 m=11
